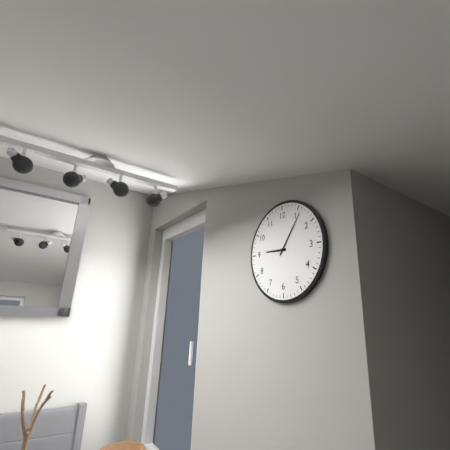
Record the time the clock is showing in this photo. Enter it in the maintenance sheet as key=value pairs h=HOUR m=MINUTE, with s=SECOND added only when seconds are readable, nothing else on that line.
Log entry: h=9 m=6
